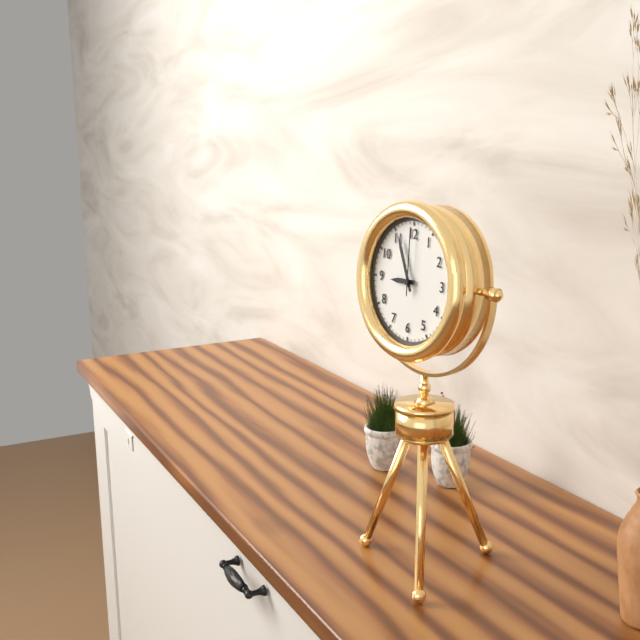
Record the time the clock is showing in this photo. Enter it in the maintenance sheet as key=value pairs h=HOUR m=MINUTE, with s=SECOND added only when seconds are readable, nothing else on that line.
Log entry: h=8 m=56 s=0
